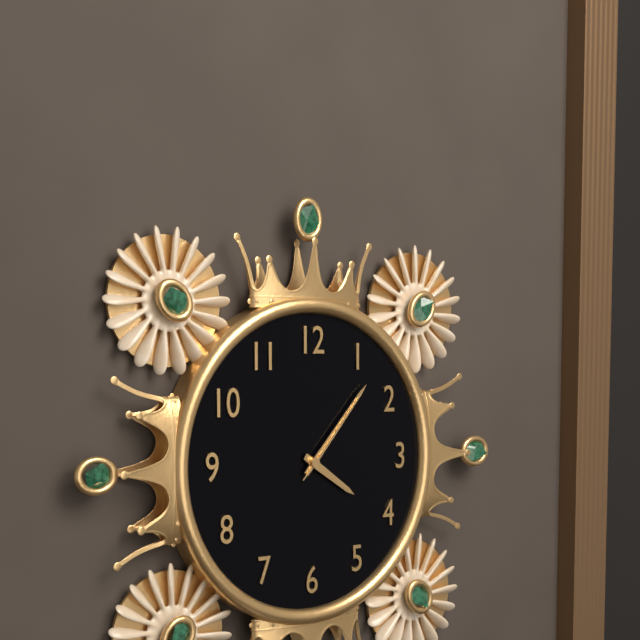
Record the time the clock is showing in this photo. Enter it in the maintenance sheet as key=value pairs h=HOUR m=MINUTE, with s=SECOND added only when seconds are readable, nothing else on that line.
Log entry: h=4 m=7 s=7
